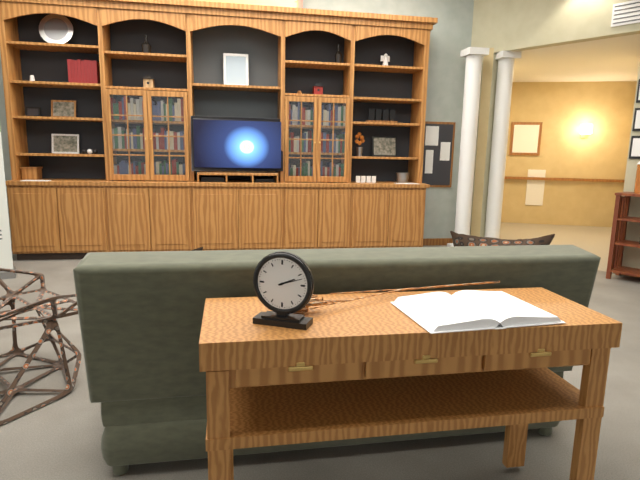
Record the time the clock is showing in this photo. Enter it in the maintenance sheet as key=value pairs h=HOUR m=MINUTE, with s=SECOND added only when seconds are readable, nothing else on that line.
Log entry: h=2 m=12
